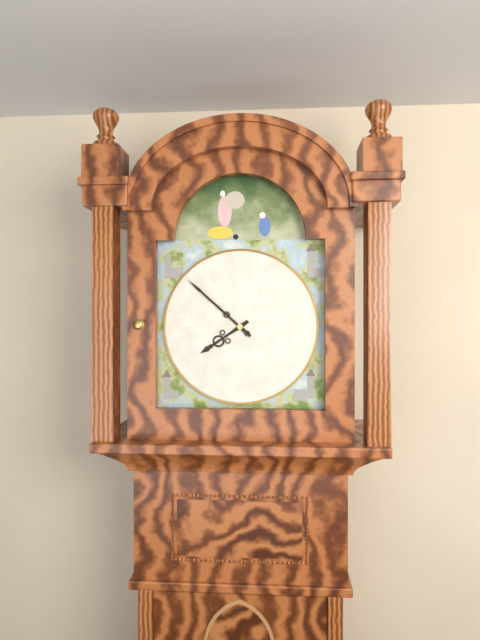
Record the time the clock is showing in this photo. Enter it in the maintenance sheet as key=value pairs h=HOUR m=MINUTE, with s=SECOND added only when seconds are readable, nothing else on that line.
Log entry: h=7 m=52
